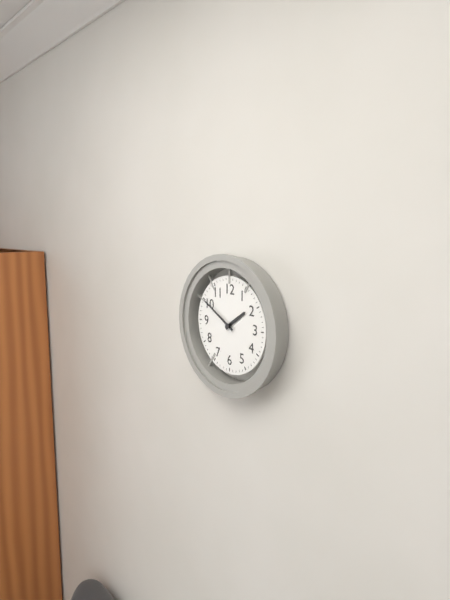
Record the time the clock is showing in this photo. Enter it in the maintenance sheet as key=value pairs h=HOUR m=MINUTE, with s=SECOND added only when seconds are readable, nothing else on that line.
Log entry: h=1 m=50
